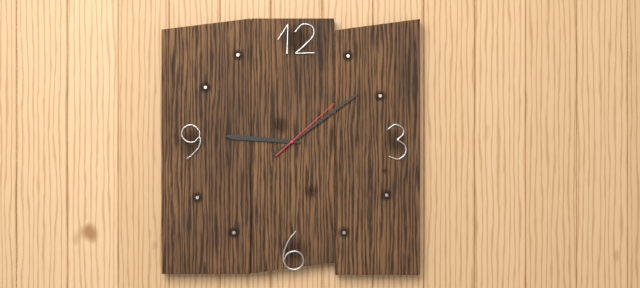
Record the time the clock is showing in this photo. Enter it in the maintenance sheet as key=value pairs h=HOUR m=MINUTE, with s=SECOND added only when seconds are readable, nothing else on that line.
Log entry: h=9 m=9 s=8
